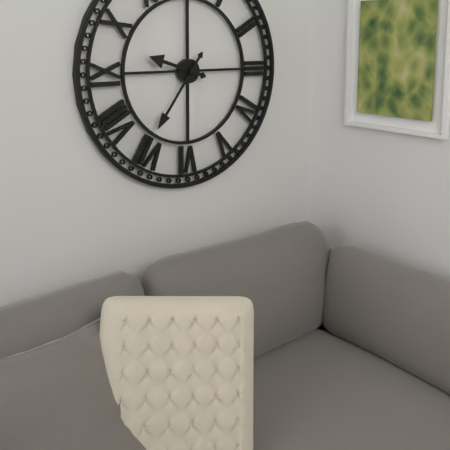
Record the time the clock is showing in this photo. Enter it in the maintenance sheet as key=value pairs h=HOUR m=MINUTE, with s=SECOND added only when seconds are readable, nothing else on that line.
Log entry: h=9 m=36
